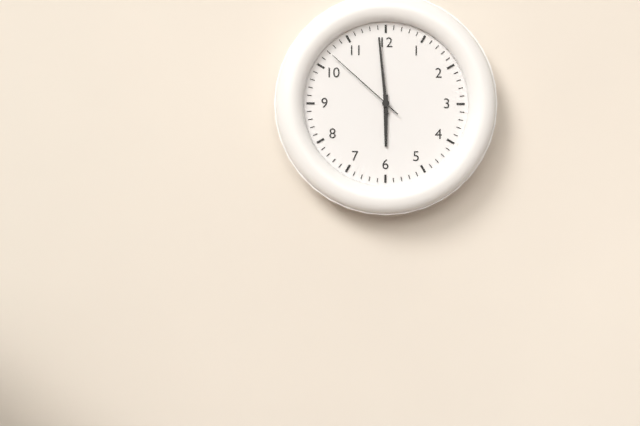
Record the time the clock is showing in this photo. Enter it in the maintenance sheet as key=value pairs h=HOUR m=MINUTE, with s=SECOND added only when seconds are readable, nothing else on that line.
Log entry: h=5 m=59 s=52
